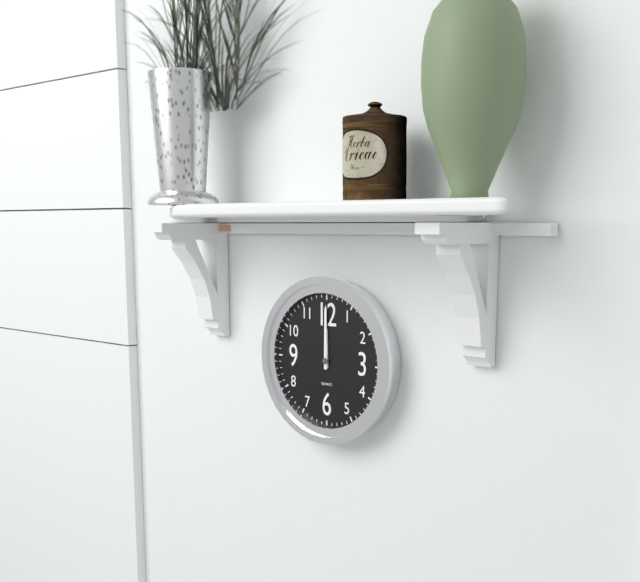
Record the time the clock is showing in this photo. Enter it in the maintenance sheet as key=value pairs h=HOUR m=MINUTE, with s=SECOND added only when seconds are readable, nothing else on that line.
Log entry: h=12 m=0
